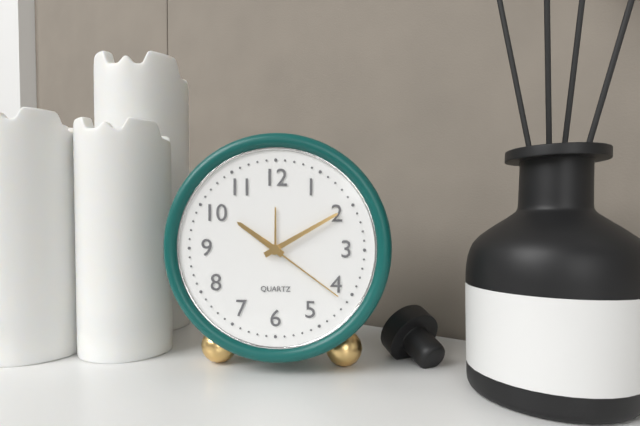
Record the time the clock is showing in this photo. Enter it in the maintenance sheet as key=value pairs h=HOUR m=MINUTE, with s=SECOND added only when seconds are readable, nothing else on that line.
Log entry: h=10 m=10 s=21
